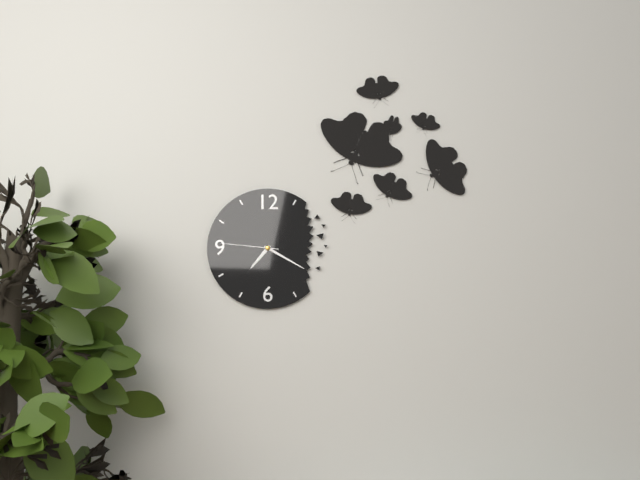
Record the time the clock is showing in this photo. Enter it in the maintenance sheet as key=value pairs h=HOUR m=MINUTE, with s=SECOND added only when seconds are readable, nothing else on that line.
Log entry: h=7 m=20 s=46
